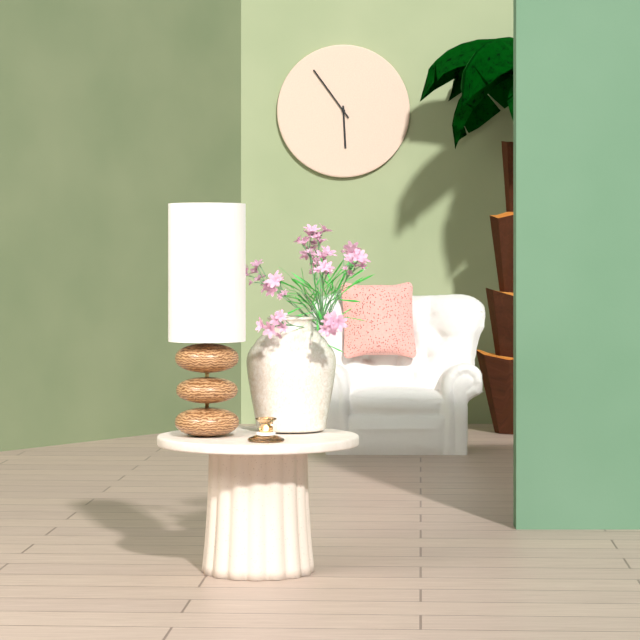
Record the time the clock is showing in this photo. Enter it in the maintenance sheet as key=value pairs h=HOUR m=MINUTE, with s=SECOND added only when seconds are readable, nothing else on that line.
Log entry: h=5 m=54
